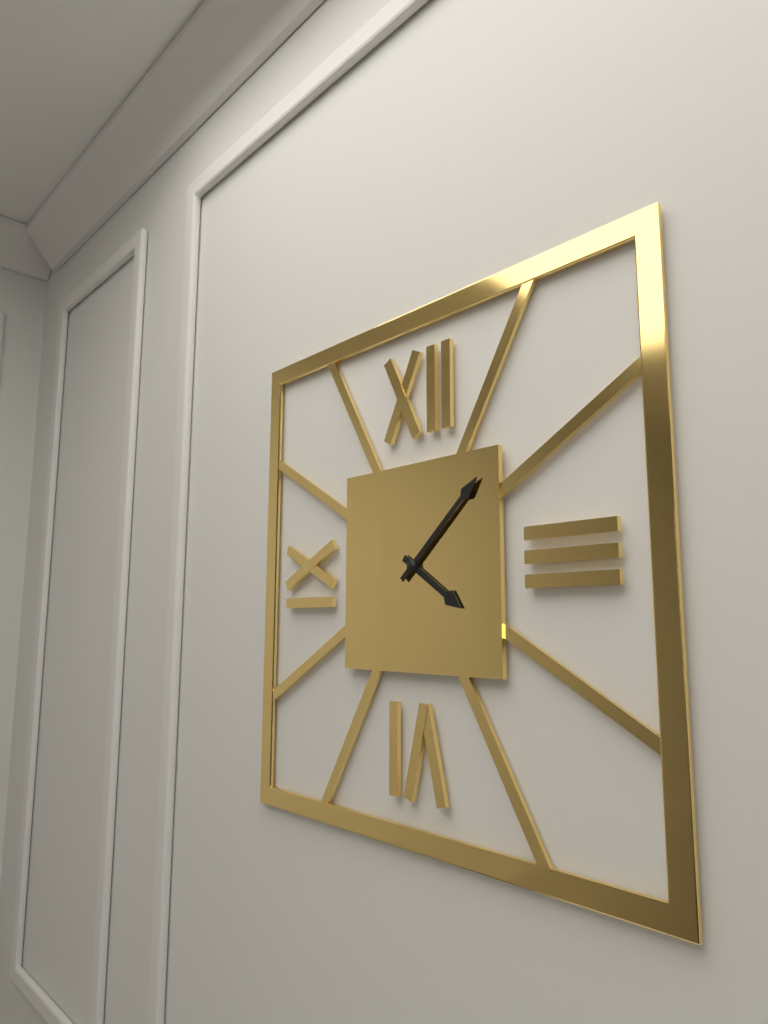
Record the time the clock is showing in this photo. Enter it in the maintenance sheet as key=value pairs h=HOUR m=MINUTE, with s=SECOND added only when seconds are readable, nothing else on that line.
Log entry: h=4 m=8
